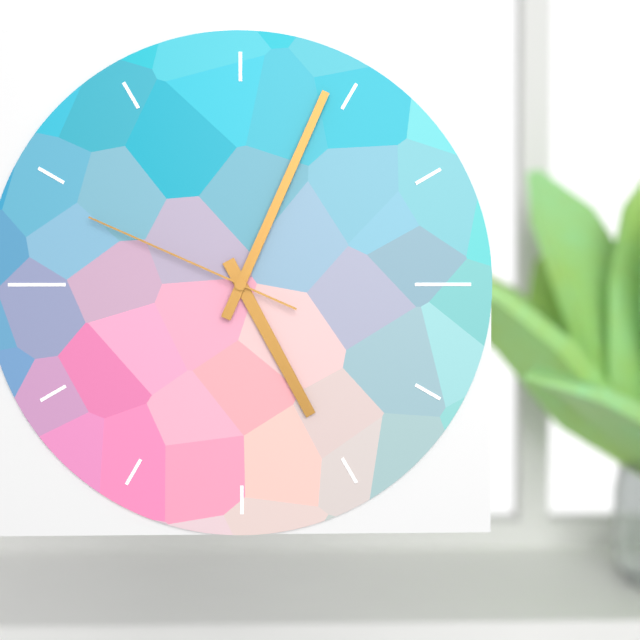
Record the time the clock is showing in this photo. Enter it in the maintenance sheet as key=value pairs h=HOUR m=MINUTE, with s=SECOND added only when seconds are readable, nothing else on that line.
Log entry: h=5 m=4 s=49
